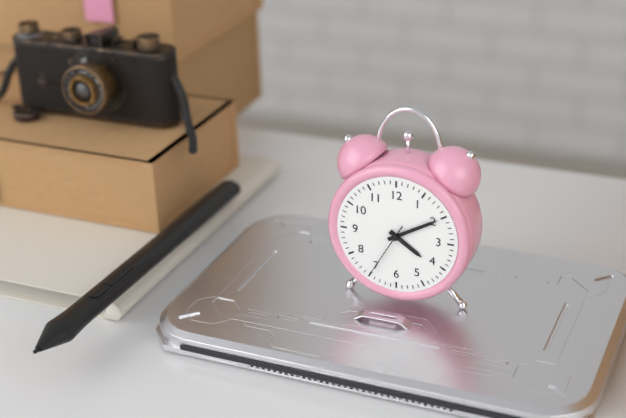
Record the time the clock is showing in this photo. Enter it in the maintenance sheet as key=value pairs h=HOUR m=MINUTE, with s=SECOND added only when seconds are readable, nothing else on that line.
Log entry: h=4 m=10 s=35
